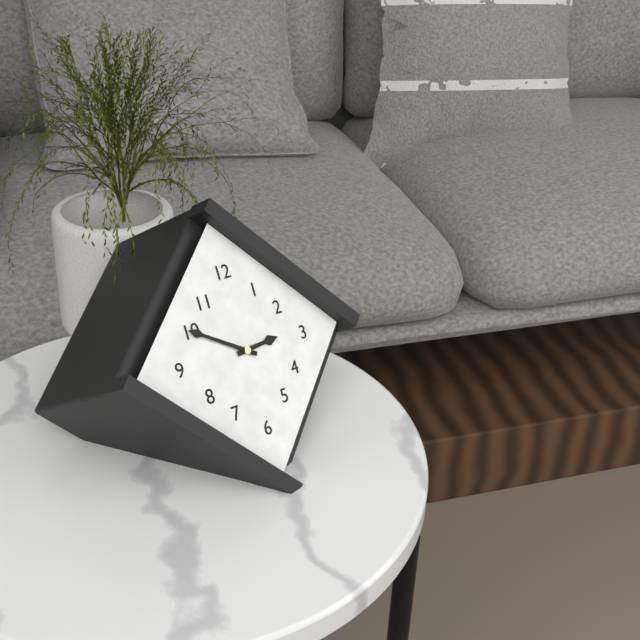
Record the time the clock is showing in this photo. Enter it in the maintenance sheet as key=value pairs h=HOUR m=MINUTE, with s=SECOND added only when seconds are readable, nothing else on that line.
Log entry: h=2 m=50
